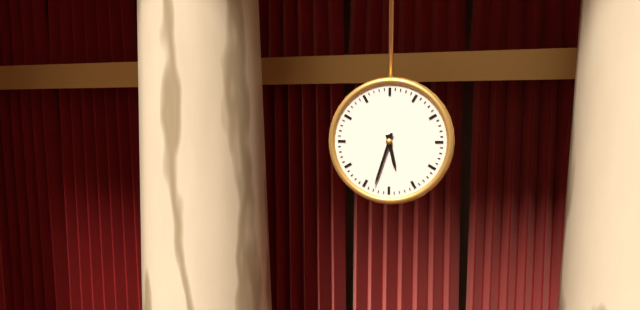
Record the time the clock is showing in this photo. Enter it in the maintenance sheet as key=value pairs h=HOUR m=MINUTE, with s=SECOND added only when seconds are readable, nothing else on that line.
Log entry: h=5 m=33
